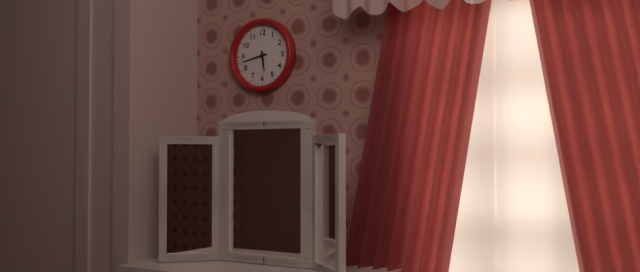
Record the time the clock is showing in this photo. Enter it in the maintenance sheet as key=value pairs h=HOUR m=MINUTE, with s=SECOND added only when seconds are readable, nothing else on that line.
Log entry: h=5 m=43
